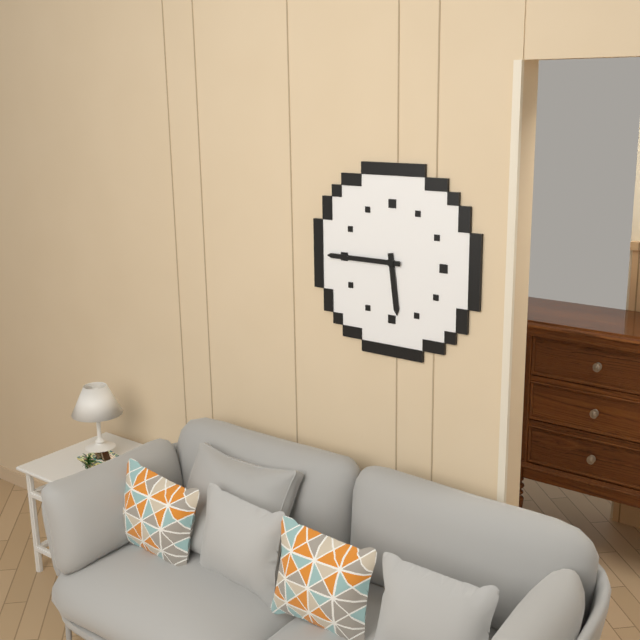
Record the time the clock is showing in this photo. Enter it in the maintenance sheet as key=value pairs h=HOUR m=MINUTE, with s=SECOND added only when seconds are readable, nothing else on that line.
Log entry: h=5 m=45
